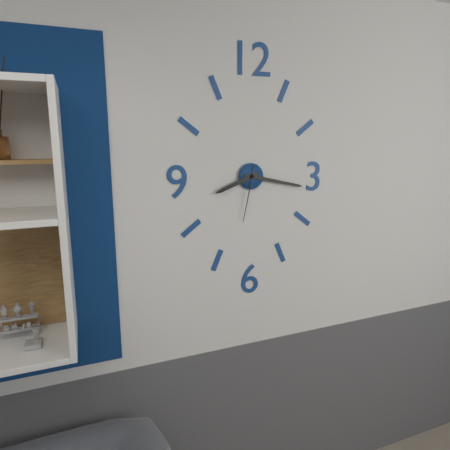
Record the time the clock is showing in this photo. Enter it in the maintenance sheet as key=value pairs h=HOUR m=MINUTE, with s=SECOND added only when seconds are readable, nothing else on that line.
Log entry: h=8 m=17 s=32
